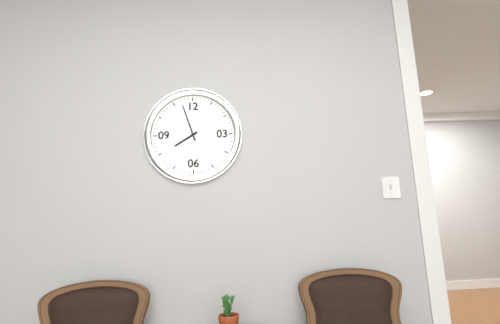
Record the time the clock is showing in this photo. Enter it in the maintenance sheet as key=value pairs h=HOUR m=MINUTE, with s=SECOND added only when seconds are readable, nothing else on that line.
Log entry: h=7 m=57
